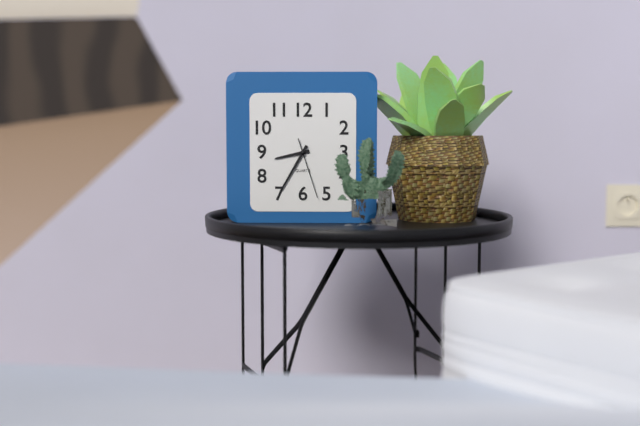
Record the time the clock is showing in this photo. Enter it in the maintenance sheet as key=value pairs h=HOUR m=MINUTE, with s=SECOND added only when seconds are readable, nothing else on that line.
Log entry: h=8 m=35 s=27
